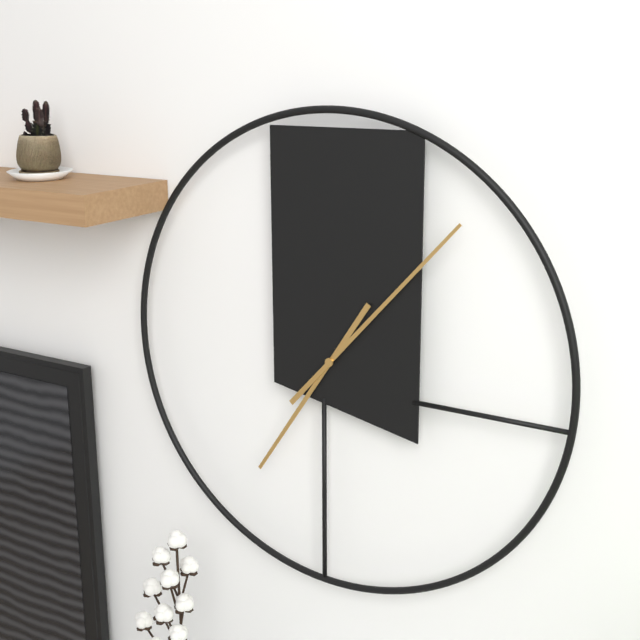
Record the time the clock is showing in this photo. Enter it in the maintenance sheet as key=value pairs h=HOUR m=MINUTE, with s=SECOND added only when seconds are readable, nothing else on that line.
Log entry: h=7 m=7
